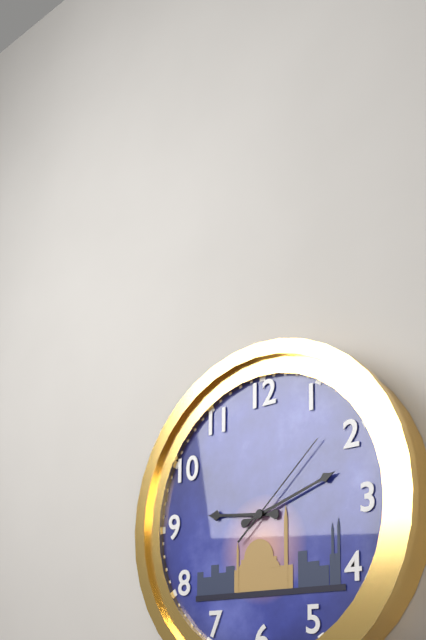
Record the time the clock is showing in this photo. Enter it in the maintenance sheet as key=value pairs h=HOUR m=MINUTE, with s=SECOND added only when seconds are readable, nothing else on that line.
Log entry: h=9 m=12 s=8
